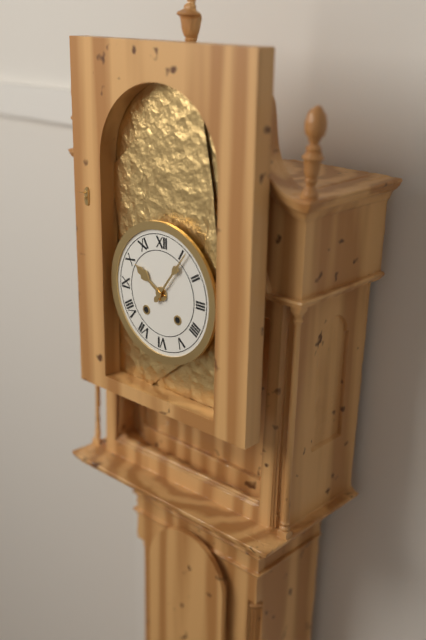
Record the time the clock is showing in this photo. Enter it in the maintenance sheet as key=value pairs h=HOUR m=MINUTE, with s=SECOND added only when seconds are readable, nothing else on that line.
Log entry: h=10 m=6
